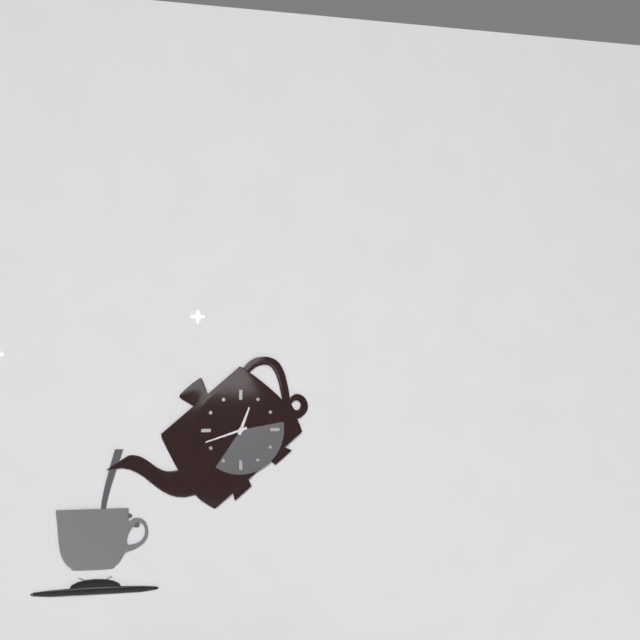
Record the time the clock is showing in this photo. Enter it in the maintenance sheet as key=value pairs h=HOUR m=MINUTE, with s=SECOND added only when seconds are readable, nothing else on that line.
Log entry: h=12 m=42
